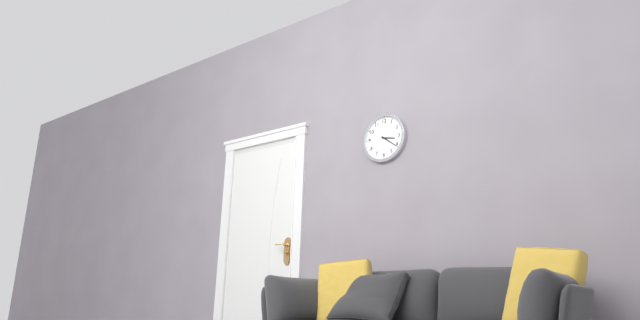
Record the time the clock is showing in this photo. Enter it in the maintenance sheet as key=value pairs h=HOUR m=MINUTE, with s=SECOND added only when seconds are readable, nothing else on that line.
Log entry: h=3 m=21
